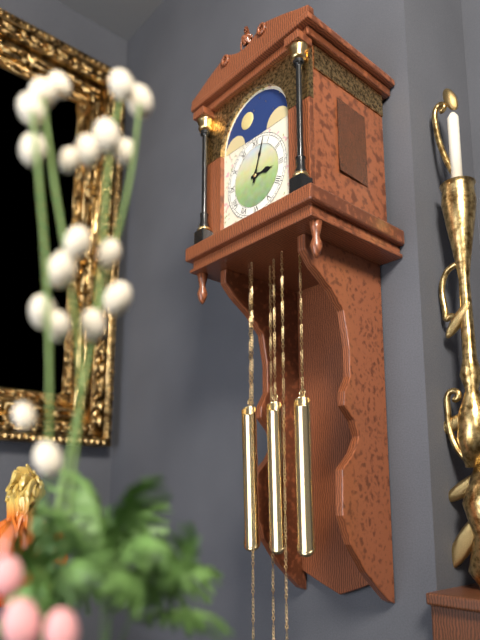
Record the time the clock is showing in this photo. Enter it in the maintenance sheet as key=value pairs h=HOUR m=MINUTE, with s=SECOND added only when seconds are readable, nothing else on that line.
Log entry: h=3 m=3
